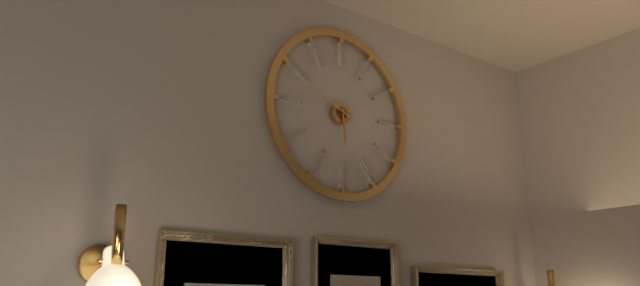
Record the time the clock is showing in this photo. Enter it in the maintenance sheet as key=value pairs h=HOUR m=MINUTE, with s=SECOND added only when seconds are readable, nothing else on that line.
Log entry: h=5 m=49
